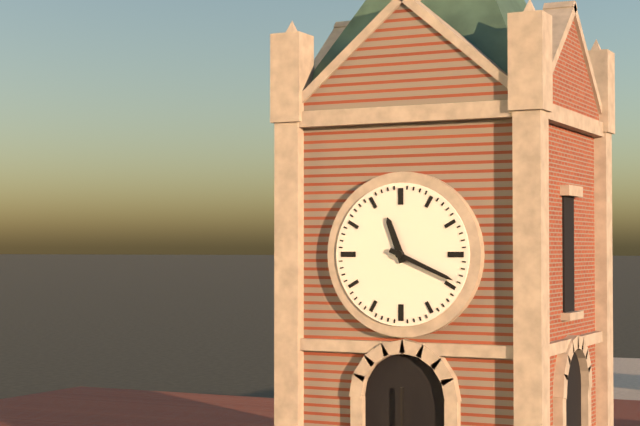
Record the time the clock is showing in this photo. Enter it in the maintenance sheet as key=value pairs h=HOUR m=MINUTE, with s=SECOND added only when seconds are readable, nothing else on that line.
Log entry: h=11 m=19
